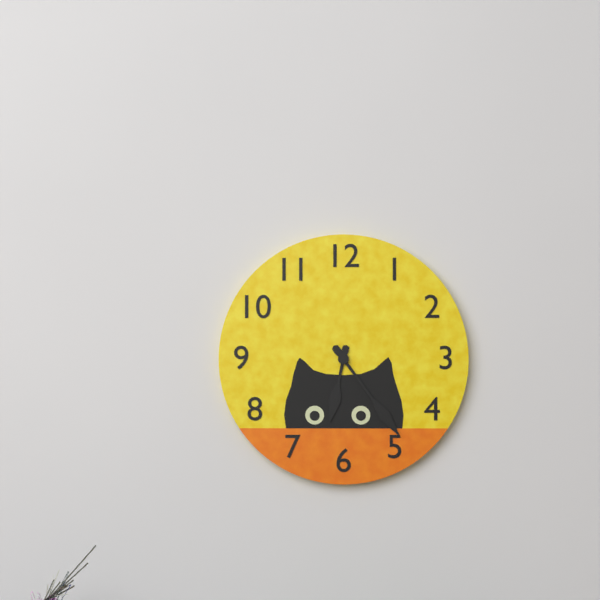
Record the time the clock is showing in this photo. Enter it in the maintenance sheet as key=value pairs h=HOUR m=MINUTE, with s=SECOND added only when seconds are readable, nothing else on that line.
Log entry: h=6 m=24
